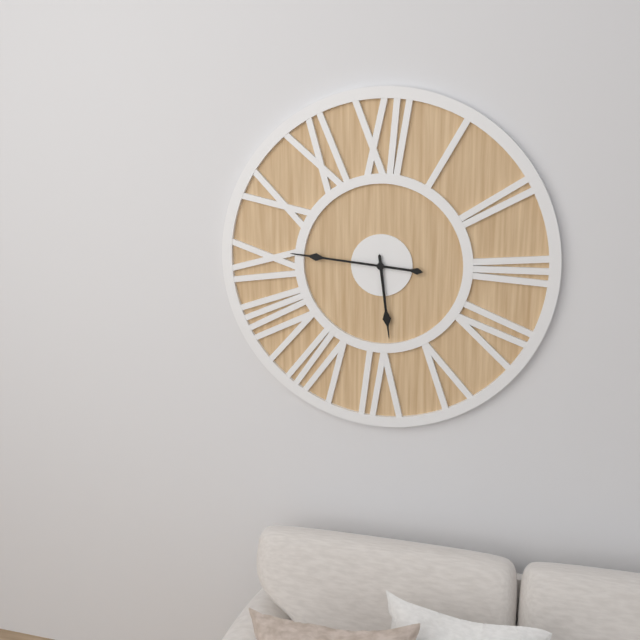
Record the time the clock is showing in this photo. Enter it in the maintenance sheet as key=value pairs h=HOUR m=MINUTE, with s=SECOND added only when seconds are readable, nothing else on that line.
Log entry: h=5 m=46
